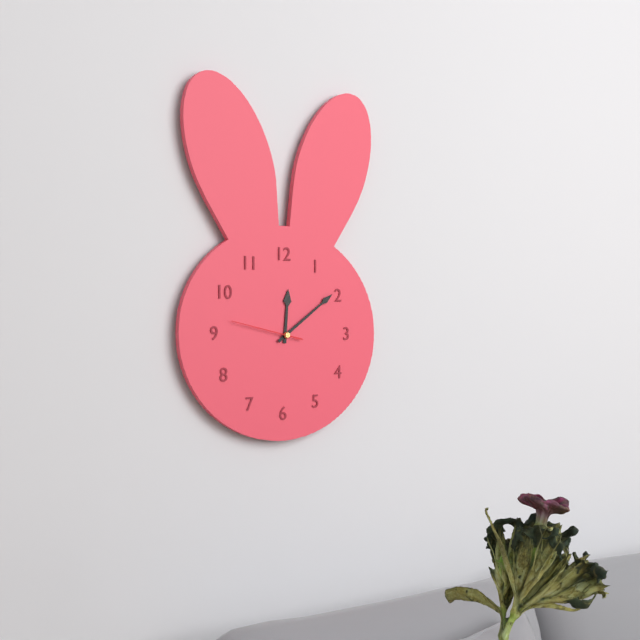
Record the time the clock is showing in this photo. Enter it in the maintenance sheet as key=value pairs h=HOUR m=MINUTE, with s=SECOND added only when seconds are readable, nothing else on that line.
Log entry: h=12 m=9 s=47
